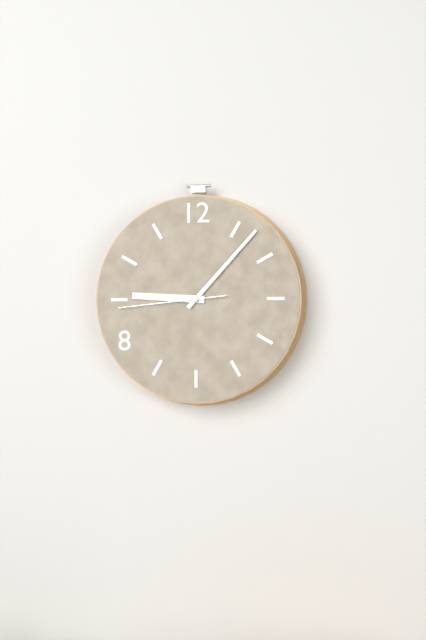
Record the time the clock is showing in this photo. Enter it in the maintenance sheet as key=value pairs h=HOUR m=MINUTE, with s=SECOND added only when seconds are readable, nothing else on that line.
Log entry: h=9 m=7 s=44
